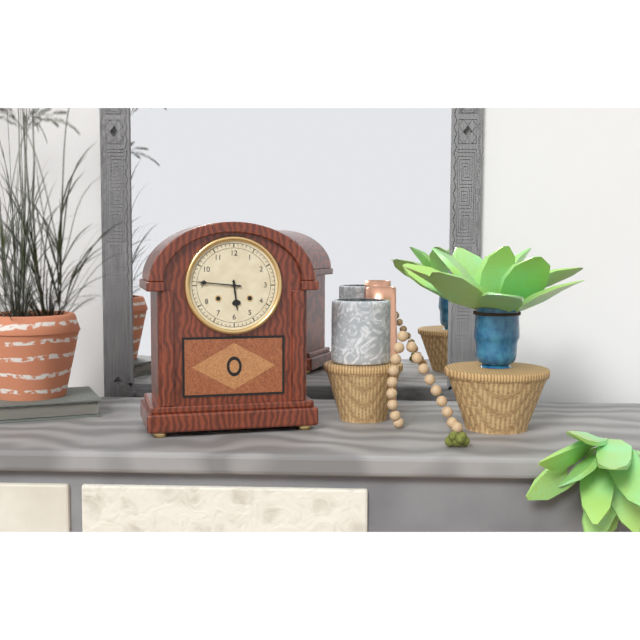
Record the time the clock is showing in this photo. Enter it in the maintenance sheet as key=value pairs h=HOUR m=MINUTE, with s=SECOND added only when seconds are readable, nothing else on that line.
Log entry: h=5 m=46
